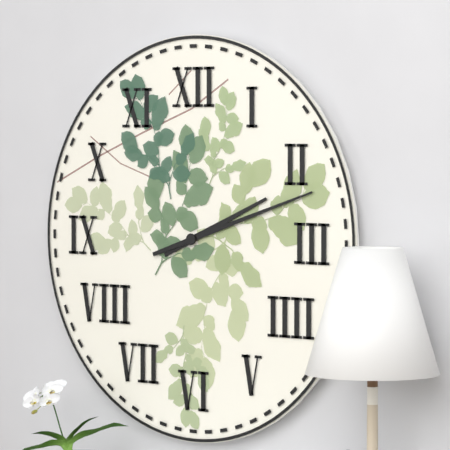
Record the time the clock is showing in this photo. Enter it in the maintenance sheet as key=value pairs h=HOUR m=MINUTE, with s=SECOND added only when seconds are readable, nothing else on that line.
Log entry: h=2 m=12
